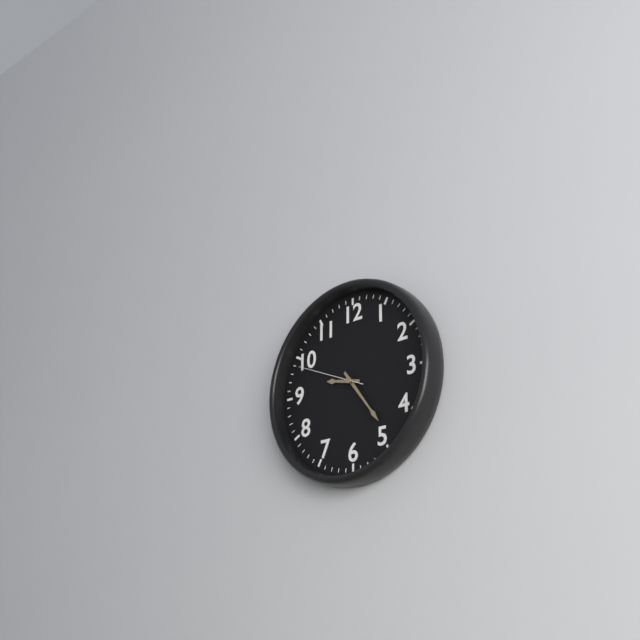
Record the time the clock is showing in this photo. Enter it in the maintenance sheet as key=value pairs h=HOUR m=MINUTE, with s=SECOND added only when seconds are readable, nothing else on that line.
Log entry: h=9 m=24 s=49
